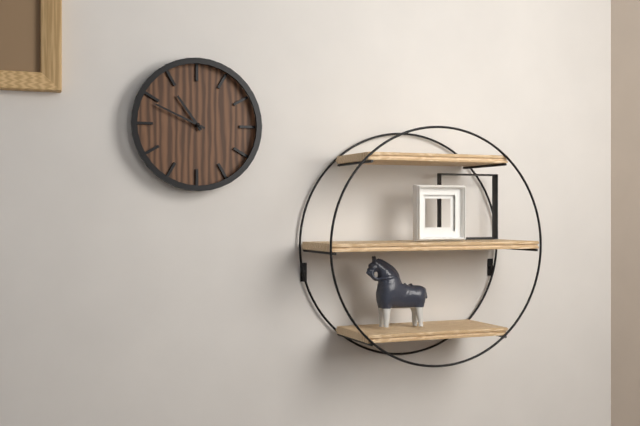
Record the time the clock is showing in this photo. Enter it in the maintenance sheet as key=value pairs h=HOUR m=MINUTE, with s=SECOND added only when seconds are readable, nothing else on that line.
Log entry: h=10 m=49
